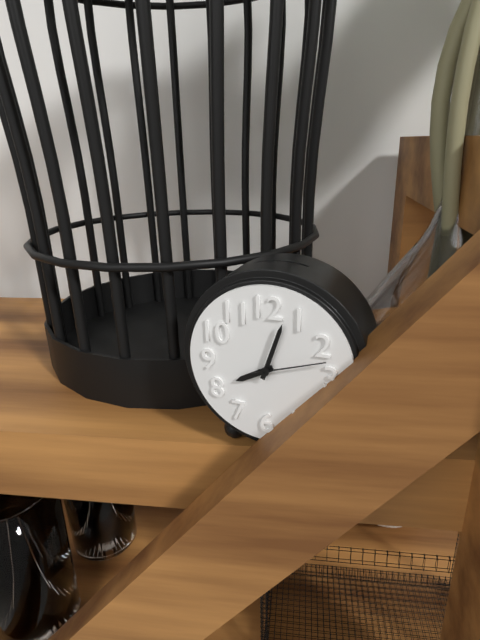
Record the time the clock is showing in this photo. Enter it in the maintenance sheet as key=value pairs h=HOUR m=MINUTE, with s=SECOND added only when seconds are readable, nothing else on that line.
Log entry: h=8 m=3 s=12
